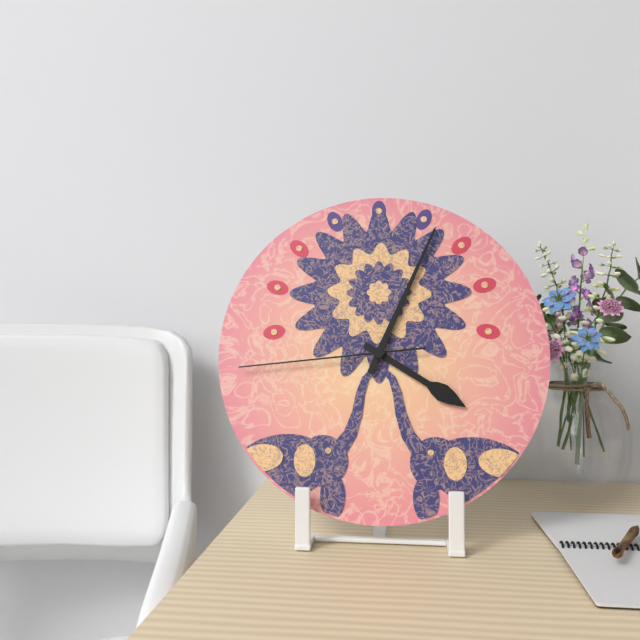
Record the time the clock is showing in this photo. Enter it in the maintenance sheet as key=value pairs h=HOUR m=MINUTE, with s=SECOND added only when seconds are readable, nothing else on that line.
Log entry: h=4 m=4 s=44
